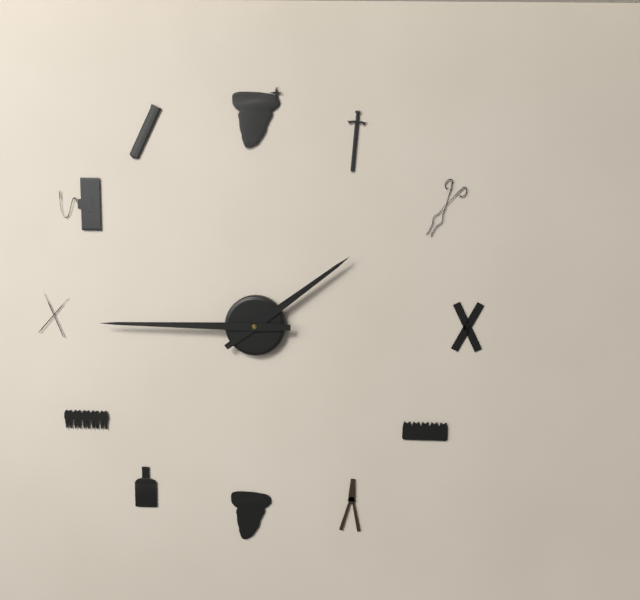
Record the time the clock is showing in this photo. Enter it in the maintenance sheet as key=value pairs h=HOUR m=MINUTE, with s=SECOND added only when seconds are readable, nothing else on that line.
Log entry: h=1 m=45
